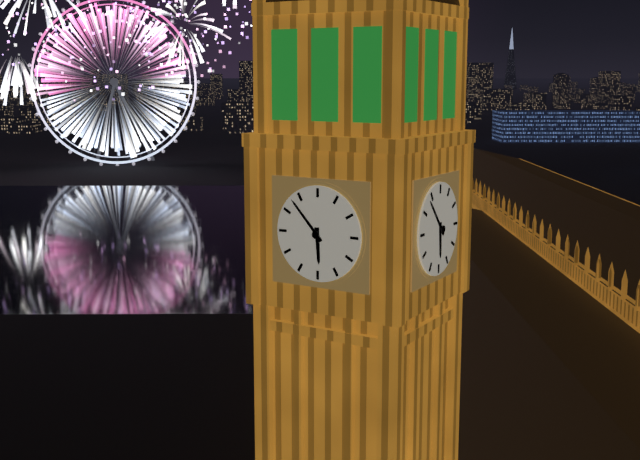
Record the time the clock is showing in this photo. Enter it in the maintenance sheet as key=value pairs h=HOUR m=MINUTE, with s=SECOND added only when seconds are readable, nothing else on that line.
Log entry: h=5 m=53
